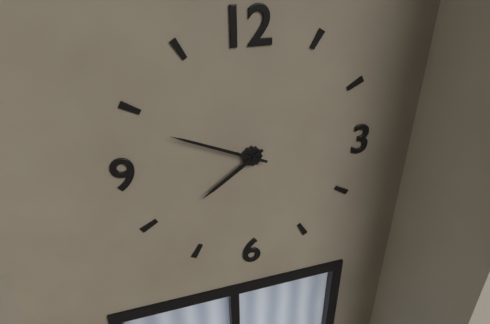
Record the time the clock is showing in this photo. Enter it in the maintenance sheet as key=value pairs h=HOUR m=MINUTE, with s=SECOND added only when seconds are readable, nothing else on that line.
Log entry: h=7 m=49
